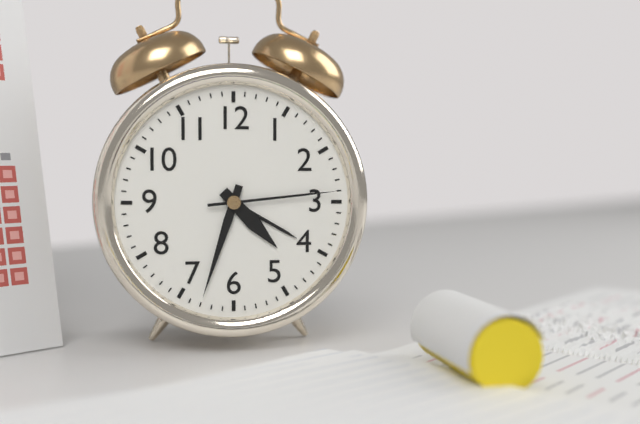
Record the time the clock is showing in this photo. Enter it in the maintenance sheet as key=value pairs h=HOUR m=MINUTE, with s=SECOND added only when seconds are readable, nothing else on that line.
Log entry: h=4 m=33 s=14
